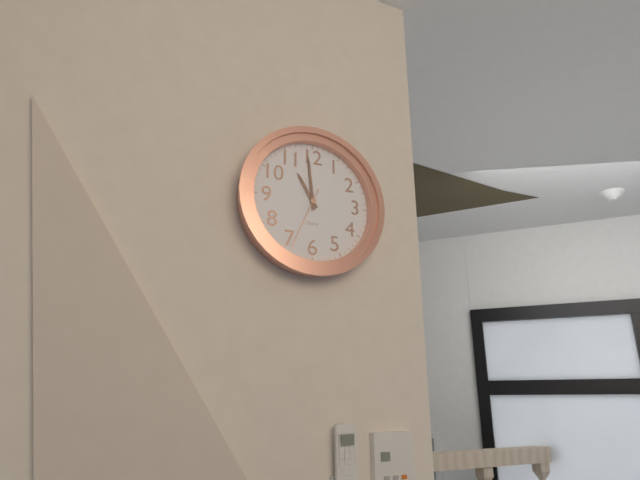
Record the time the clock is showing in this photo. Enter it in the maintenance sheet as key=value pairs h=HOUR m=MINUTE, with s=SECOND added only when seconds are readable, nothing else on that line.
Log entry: h=10 m=59 s=34
